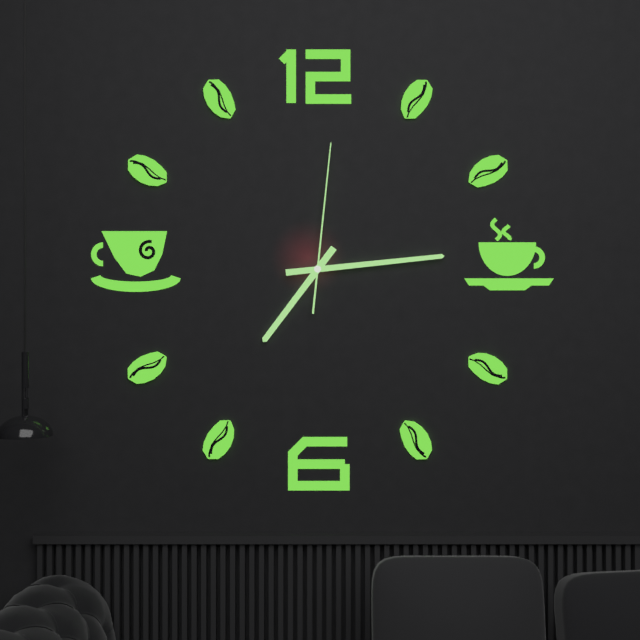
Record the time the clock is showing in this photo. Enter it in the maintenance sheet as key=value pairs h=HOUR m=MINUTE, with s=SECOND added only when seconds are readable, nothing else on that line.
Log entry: h=7 m=14 s=1
